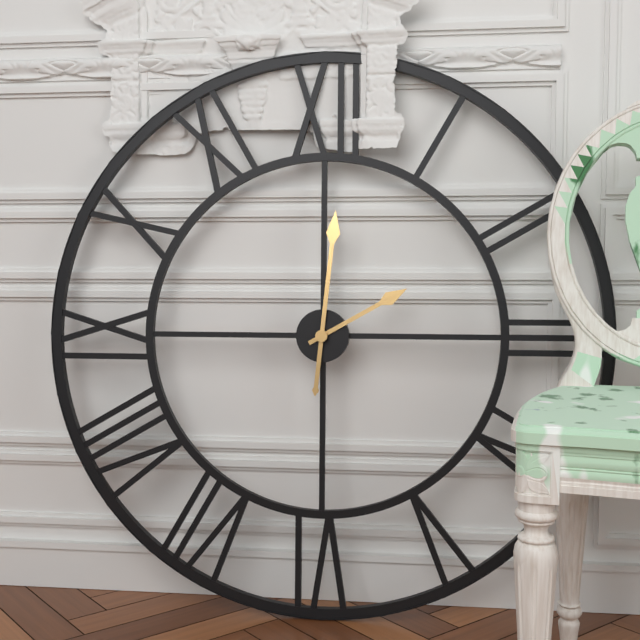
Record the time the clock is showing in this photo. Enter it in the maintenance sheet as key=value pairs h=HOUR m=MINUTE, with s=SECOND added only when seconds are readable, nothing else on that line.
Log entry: h=2 m=1
